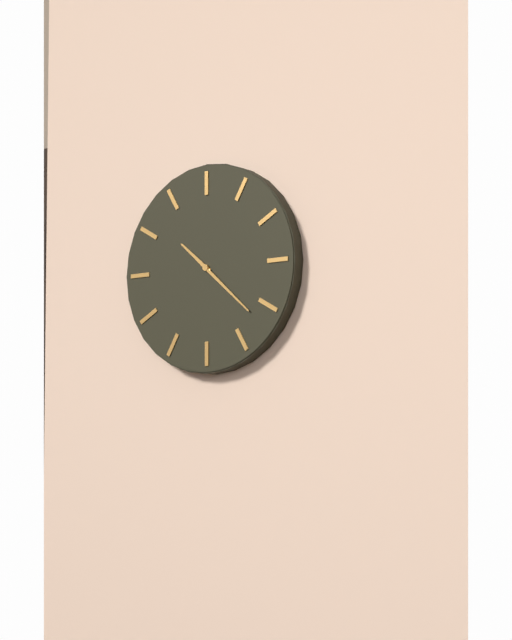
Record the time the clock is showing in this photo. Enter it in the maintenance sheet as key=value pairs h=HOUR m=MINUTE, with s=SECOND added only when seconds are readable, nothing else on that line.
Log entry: h=10 m=22
